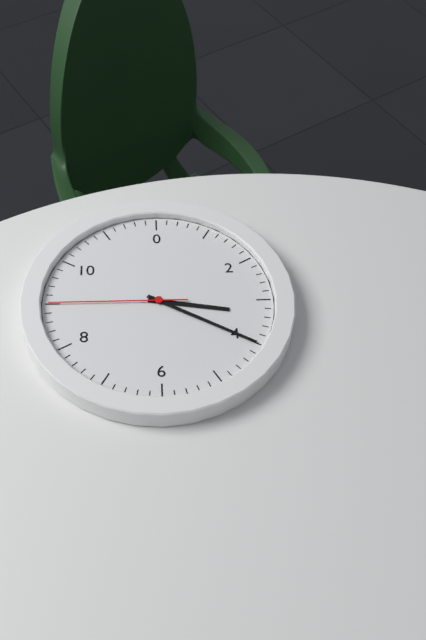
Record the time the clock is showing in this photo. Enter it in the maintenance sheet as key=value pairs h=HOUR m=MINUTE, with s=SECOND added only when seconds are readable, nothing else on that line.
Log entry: h=3 m=20 s=45
